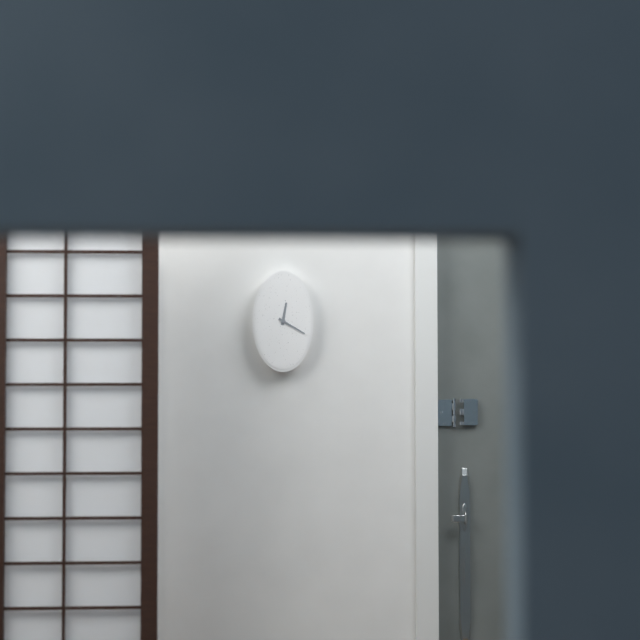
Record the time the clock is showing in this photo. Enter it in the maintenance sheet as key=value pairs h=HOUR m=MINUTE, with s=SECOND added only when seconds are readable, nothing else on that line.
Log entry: h=12 m=20
